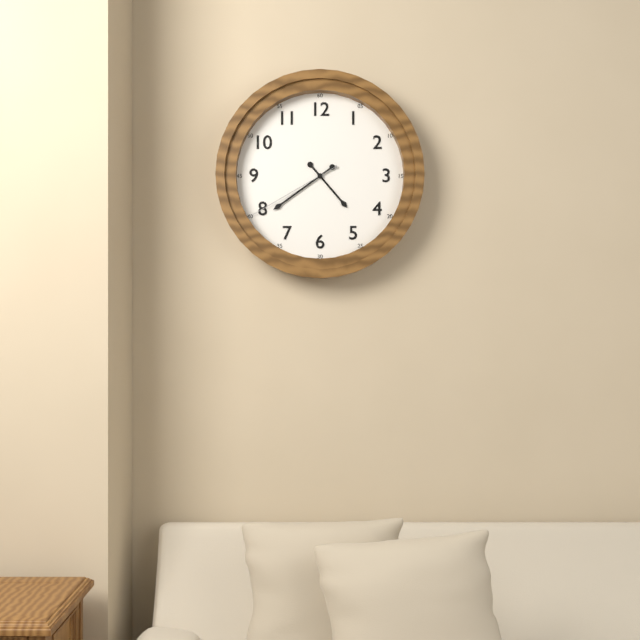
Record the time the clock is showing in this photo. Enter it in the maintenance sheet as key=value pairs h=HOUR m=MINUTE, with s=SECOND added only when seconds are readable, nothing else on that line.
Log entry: h=4 m=39 s=40
